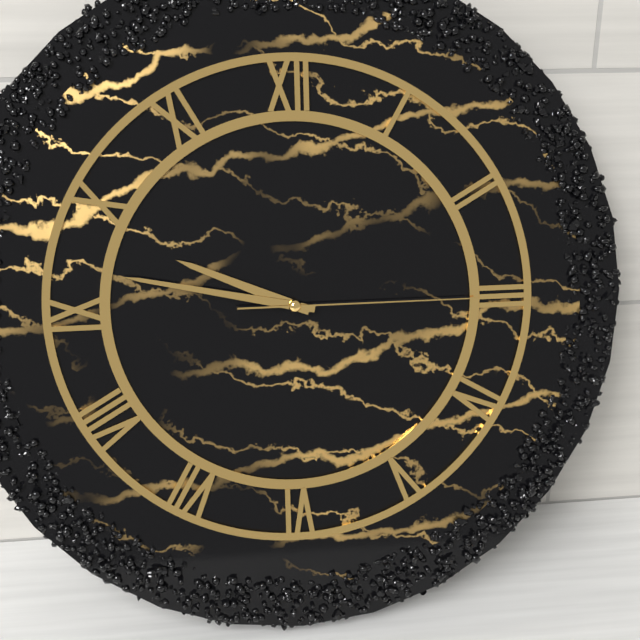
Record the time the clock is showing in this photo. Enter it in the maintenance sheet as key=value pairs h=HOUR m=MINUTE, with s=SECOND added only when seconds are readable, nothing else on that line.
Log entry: h=9 m=47 s=15
